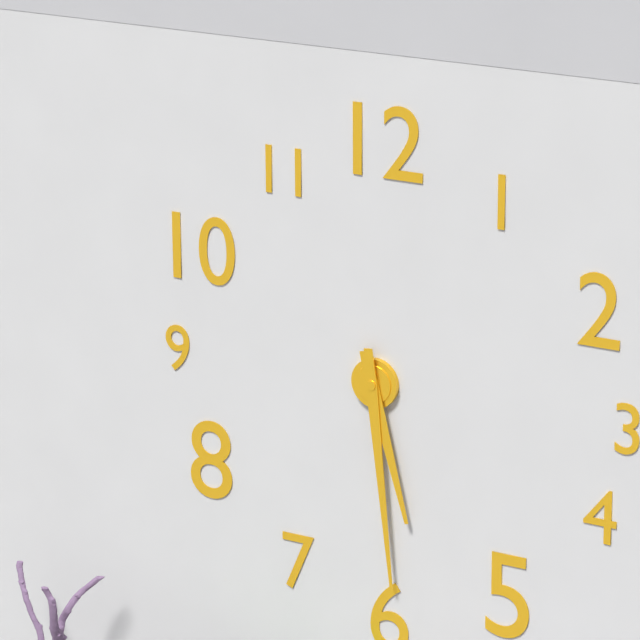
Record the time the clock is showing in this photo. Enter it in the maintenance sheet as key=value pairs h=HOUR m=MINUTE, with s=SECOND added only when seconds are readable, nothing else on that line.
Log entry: h=5 m=29
